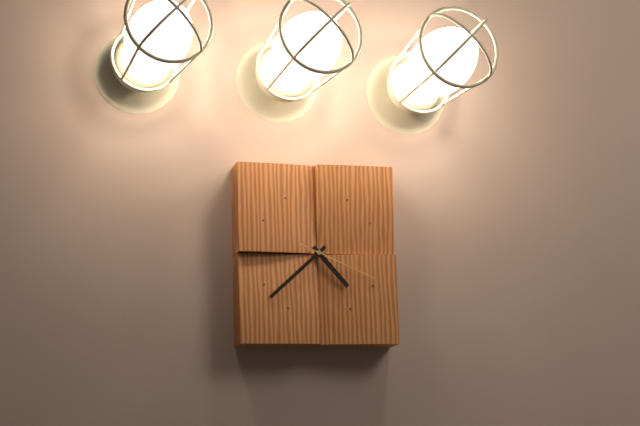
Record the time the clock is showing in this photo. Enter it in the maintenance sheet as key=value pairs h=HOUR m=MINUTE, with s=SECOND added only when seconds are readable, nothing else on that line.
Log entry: h=4 m=38 s=19
